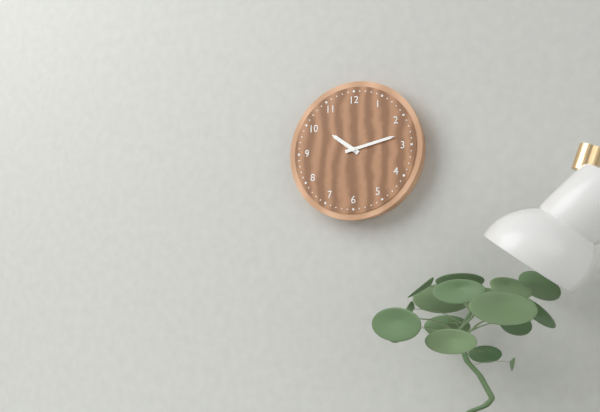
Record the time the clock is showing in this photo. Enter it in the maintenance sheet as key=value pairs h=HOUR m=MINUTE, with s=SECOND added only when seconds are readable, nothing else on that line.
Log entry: h=10 m=13
